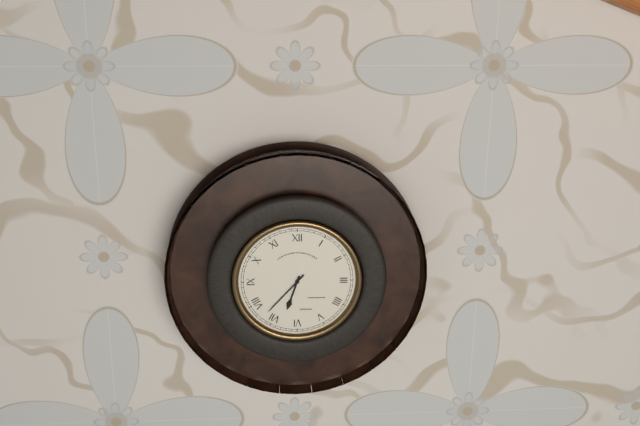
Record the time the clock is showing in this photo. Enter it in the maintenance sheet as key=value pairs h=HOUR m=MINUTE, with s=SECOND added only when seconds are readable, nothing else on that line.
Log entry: h=6 m=37
